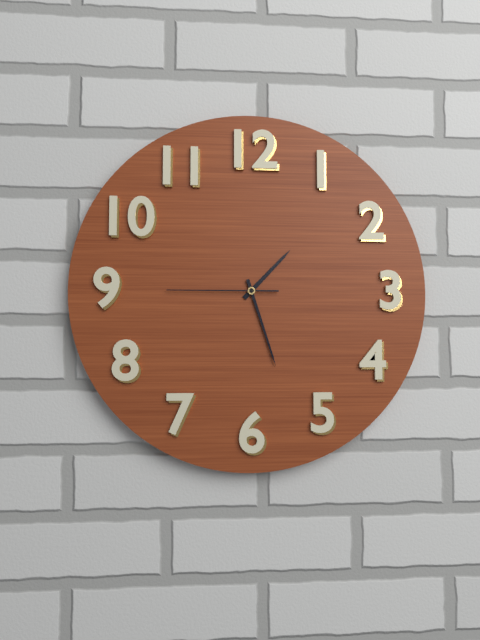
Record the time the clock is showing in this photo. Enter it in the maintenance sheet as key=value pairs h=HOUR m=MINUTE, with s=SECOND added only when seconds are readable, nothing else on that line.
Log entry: h=1 m=27 s=45
